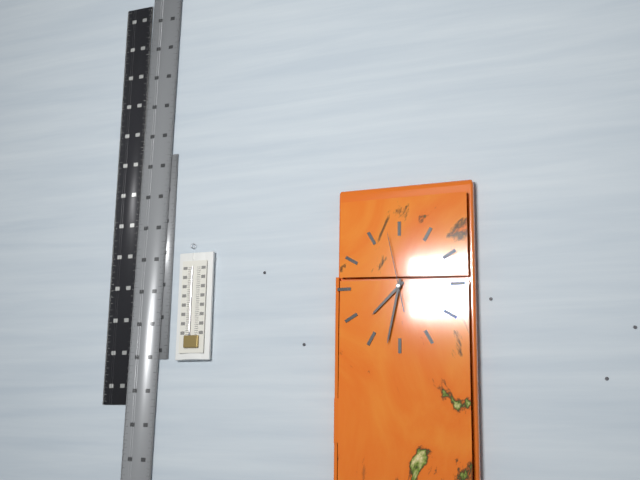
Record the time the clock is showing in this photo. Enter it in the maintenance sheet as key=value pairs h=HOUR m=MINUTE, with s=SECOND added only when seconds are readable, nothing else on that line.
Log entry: h=7 m=32 s=58
